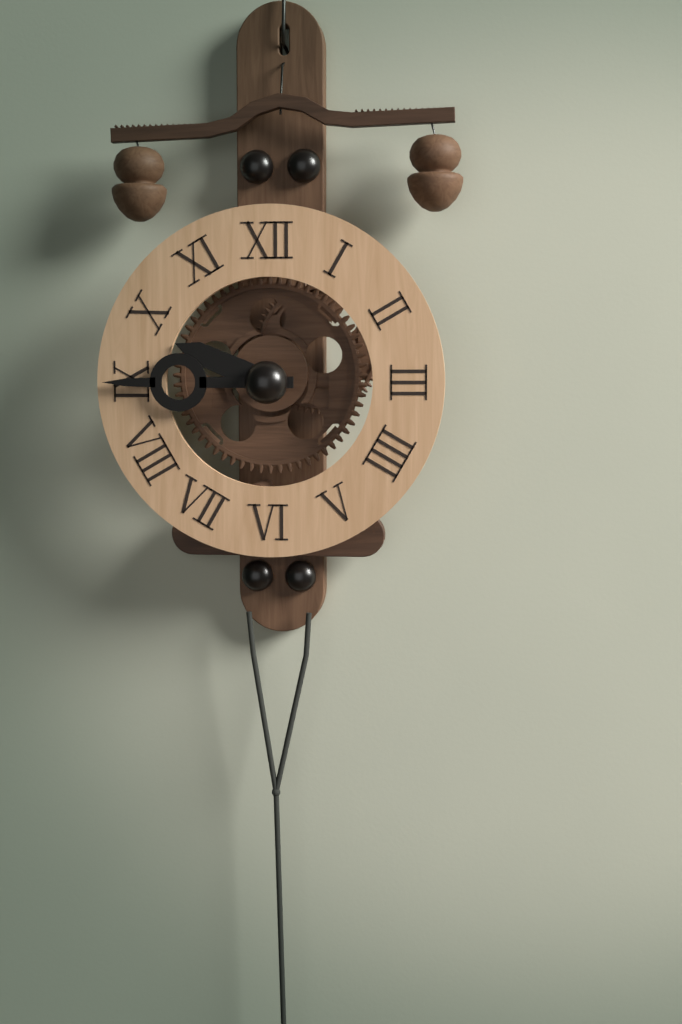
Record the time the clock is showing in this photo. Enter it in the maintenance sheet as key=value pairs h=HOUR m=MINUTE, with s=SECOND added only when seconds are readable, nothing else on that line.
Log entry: h=9 m=45
